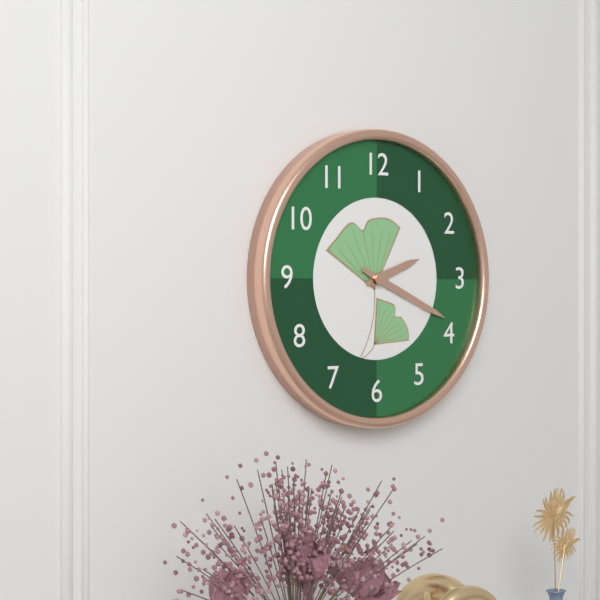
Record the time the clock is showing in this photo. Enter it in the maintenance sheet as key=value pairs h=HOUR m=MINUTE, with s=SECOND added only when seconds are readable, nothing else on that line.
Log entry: h=2 m=19
